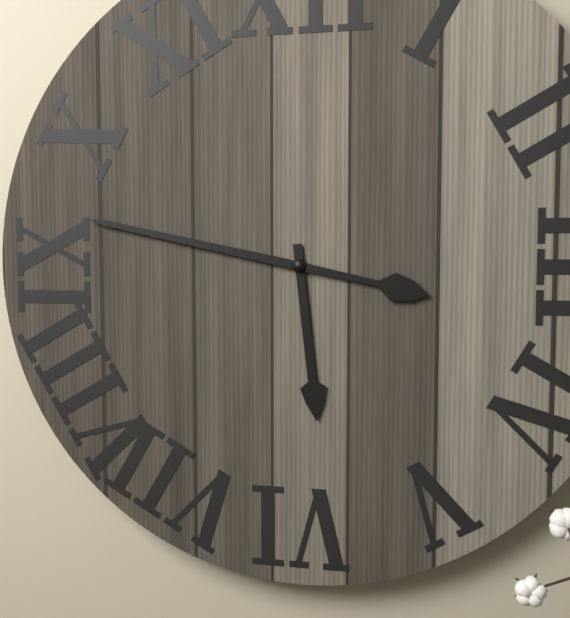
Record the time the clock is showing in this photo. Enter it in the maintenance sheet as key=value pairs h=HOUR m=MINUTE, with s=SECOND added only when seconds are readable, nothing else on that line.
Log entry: h=5 m=47
